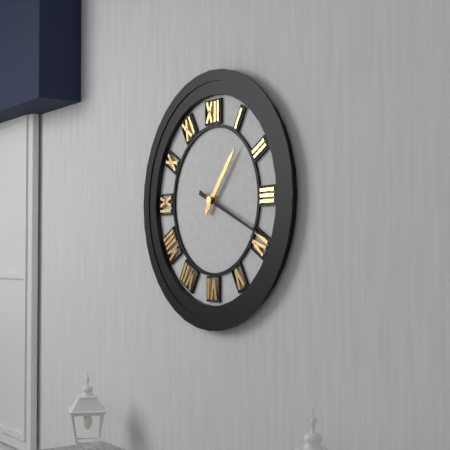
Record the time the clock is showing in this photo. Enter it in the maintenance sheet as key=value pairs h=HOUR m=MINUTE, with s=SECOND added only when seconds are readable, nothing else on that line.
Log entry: h=1 m=19
